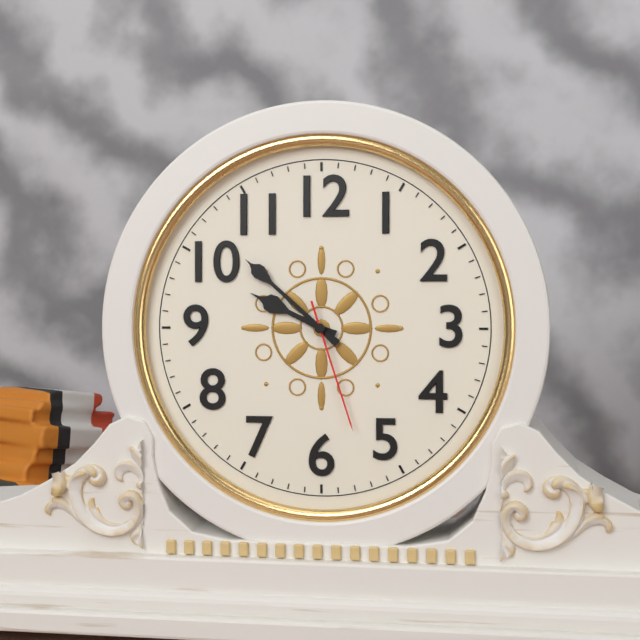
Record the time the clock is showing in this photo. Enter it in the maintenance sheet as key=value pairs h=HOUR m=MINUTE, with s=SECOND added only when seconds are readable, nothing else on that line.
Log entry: h=9 m=52 s=27
